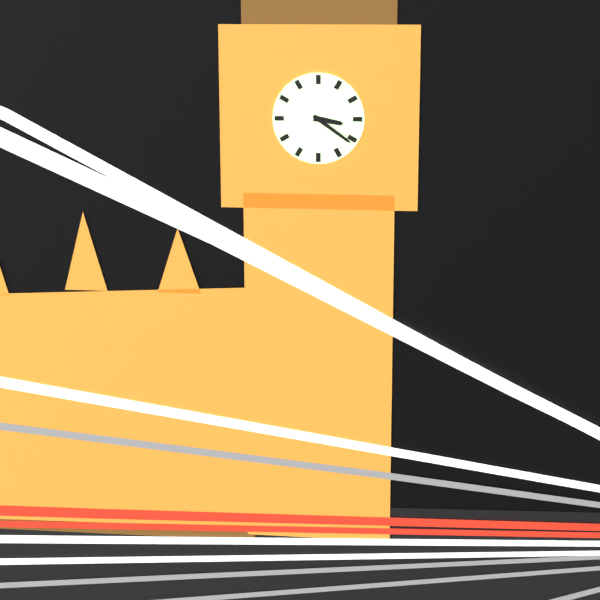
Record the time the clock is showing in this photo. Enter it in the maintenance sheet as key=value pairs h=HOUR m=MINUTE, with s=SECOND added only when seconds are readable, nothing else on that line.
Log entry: h=3 m=21
